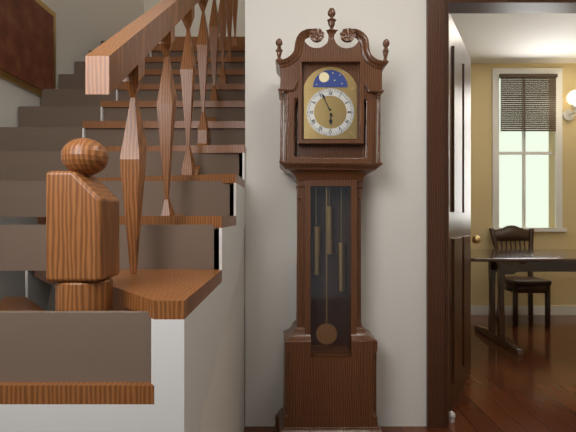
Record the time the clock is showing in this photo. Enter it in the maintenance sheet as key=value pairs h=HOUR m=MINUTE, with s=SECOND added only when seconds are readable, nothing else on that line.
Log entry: h=5 m=56
